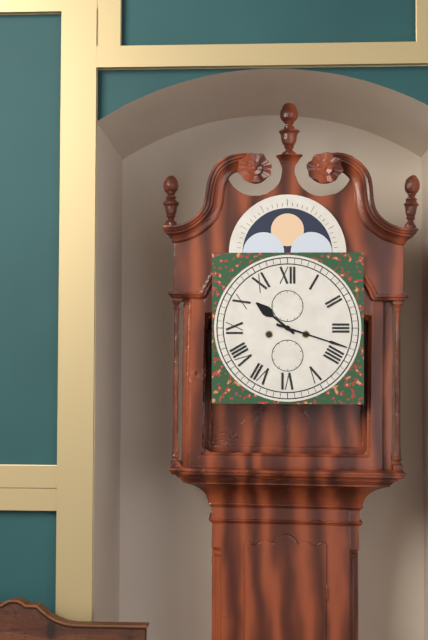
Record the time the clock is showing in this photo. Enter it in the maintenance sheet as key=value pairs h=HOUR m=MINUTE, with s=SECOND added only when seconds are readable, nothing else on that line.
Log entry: h=10 m=18
